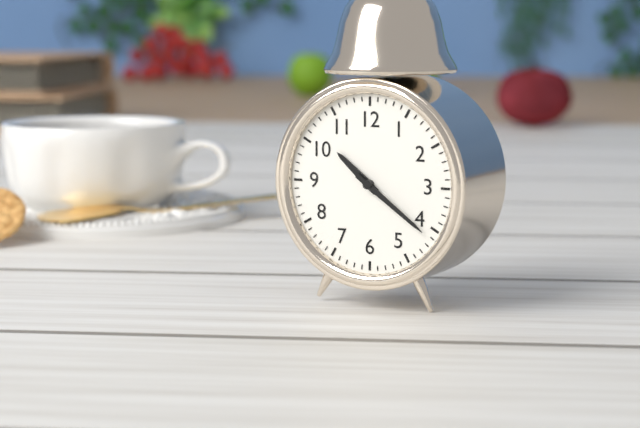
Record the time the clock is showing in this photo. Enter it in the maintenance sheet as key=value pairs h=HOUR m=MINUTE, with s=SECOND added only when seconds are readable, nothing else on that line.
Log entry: h=10 m=21
